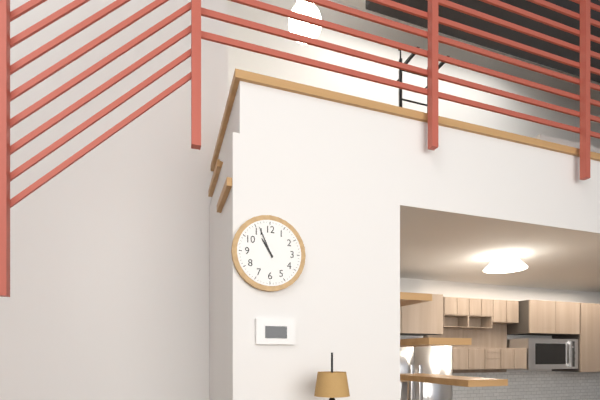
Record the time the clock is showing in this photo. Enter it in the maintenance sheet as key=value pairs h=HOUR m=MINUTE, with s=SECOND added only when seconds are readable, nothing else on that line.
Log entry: h=10 m=56
